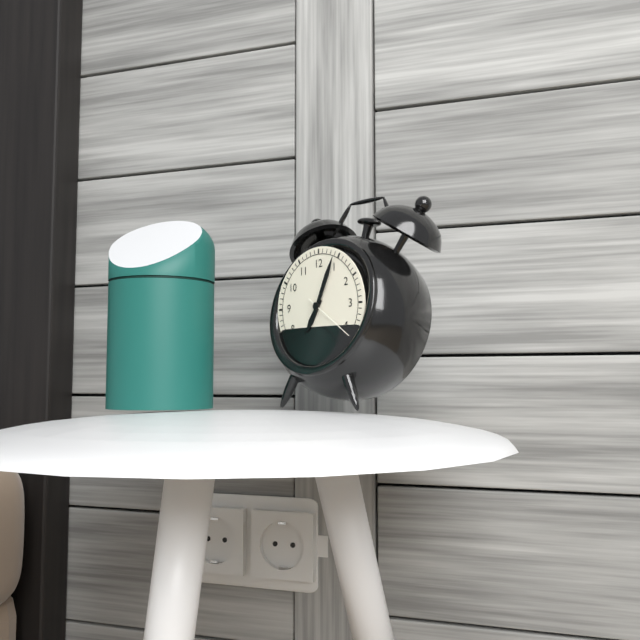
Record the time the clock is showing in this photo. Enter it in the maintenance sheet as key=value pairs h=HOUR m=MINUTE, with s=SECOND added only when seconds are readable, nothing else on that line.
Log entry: h=7 m=4 s=21
